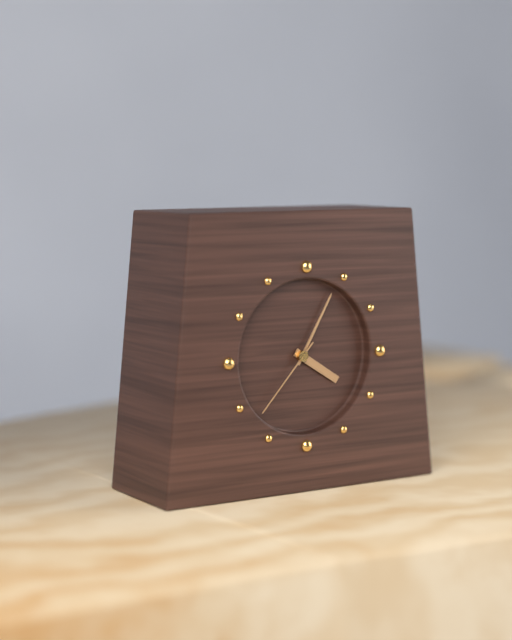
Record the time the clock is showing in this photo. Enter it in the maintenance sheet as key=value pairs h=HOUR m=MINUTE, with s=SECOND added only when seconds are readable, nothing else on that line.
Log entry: h=4 m=5 s=37
